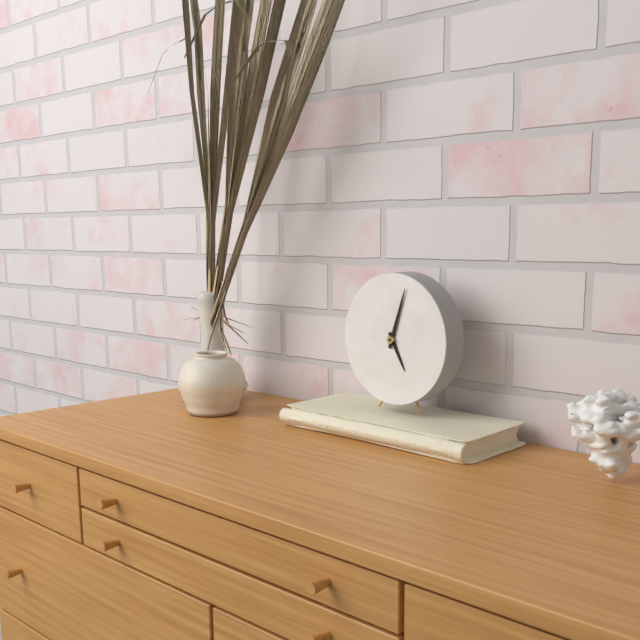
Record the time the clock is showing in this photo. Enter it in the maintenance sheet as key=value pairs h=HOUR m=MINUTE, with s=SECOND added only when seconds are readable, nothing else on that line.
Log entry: h=5 m=3
